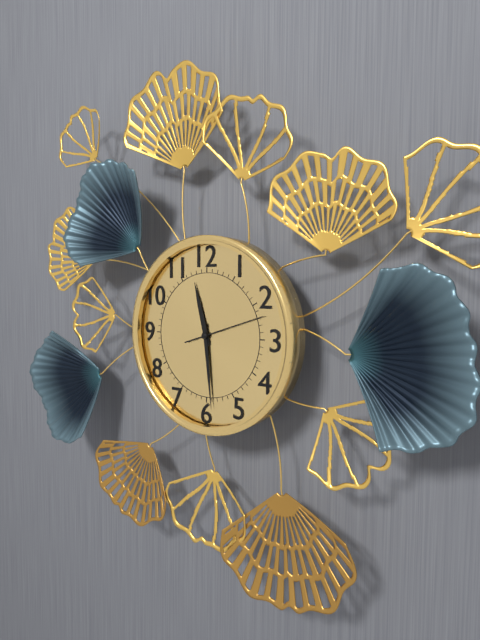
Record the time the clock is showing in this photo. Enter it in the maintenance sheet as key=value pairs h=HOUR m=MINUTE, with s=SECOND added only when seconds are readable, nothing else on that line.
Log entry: h=11 m=29 s=12
